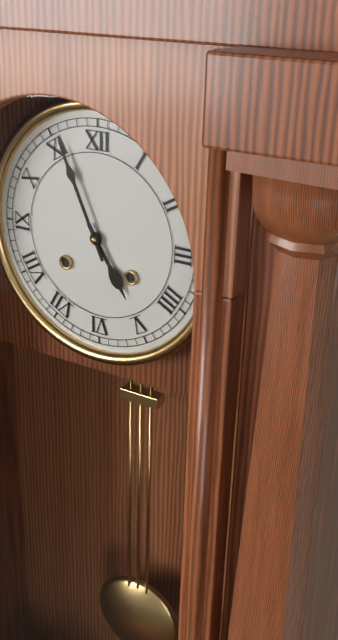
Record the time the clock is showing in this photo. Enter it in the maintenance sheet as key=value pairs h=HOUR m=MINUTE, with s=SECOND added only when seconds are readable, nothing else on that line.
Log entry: h=4 m=56
